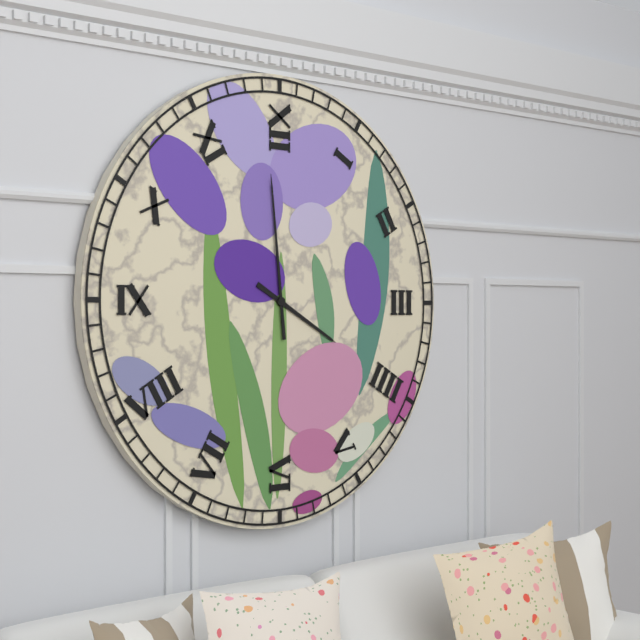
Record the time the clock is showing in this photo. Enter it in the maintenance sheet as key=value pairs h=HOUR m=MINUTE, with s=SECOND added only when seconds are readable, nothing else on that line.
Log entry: h=3 m=59
